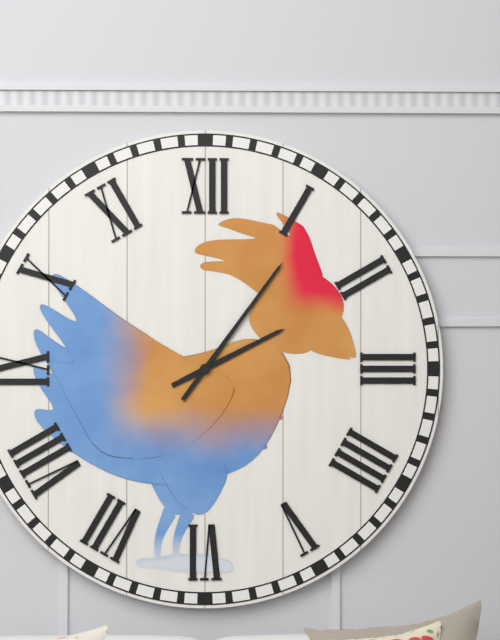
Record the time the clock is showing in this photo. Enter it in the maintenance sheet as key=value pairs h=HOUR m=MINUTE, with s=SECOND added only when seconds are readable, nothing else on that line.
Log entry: h=2 m=6
